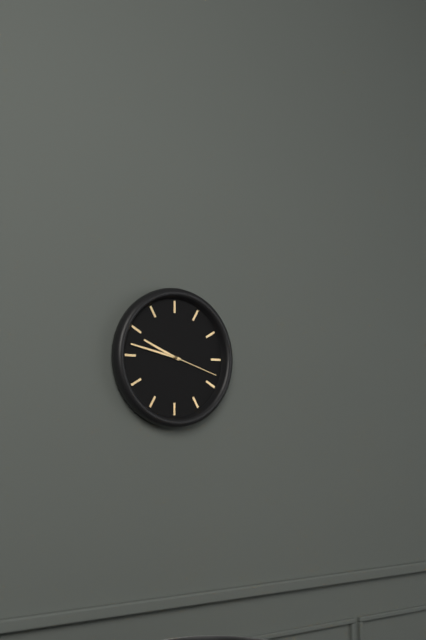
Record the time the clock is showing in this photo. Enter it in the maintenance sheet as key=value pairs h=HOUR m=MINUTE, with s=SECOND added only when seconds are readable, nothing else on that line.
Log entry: h=9 m=47 s=18
